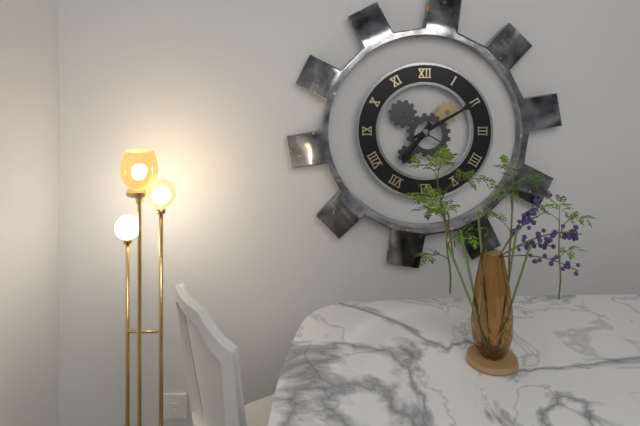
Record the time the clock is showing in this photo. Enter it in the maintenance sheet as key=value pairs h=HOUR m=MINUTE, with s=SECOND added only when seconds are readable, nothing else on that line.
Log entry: h=7 m=10
